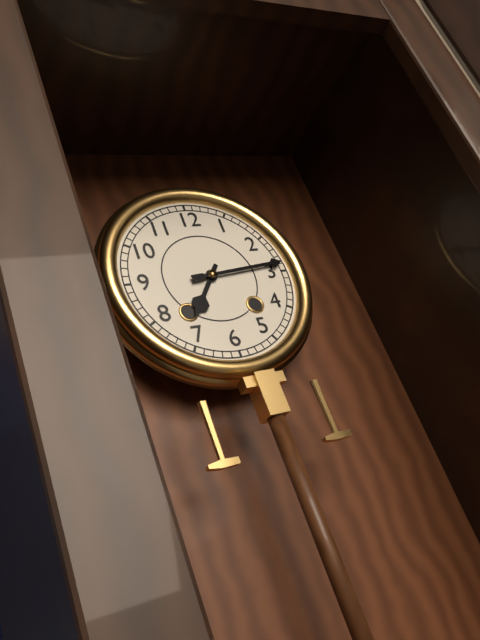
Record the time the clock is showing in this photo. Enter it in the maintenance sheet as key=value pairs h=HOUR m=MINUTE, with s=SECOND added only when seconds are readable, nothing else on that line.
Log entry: h=7 m=14
